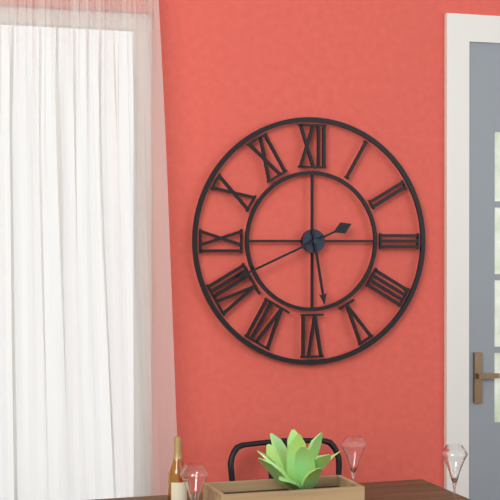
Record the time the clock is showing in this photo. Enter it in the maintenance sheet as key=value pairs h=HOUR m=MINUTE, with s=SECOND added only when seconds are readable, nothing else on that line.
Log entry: h=5 m=41
